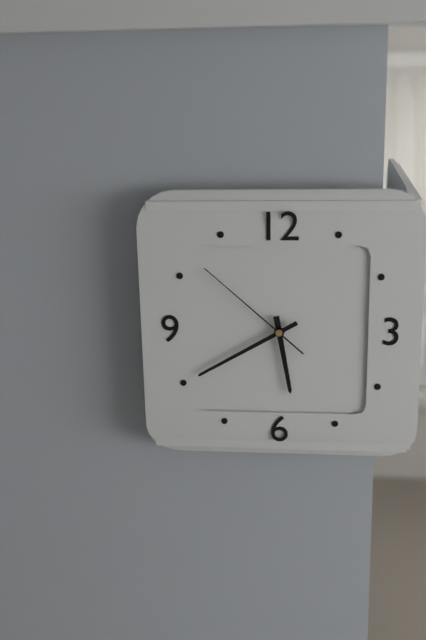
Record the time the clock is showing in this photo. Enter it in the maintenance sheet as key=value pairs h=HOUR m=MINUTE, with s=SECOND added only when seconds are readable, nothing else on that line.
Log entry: h=5 m=40 s=52
